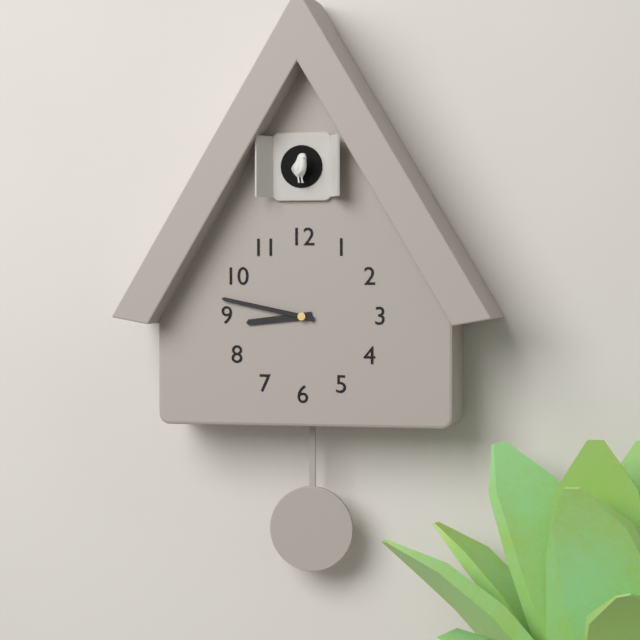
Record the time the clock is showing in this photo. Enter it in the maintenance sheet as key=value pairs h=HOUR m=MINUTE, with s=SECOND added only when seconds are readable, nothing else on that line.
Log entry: h=8 m=47
